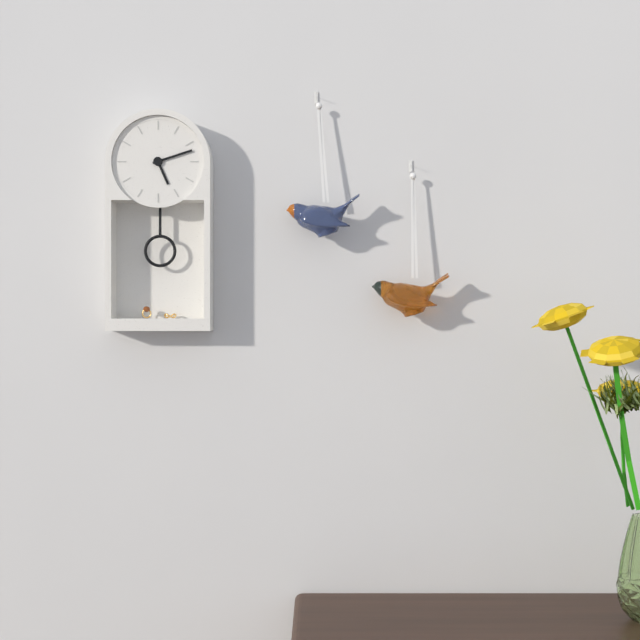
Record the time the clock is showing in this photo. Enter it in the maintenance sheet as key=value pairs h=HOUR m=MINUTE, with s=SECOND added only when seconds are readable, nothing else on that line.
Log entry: h=5 m=12
